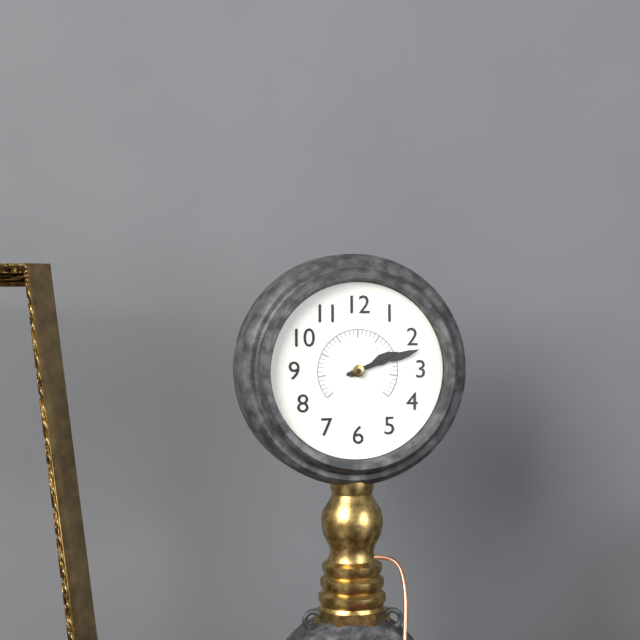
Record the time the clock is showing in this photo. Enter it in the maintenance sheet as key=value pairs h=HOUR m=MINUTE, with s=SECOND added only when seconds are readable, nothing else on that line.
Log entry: h=2 m=12
